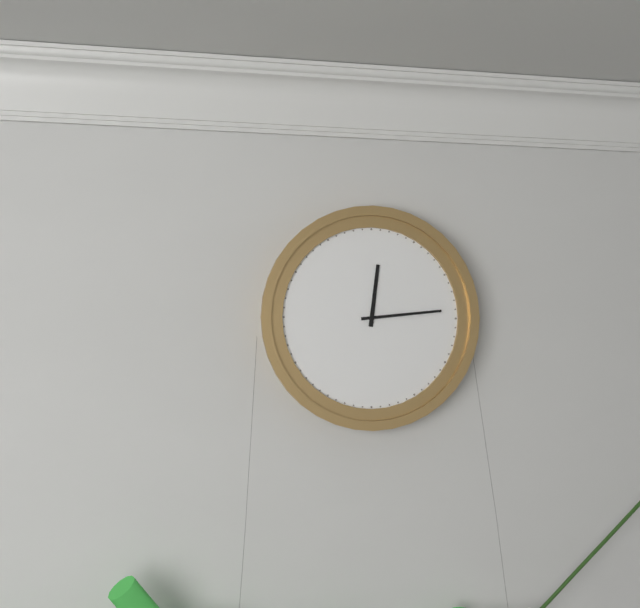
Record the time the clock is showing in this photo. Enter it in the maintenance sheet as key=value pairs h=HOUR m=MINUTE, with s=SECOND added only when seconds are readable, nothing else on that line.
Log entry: h=12 m=14
